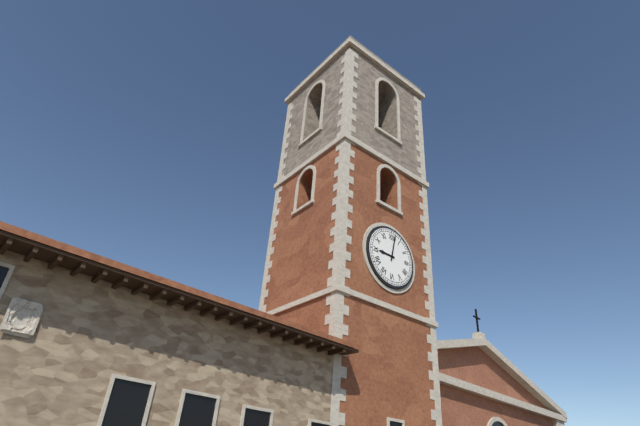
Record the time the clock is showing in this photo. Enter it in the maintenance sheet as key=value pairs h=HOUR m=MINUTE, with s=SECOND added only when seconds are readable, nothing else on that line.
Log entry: h=9 m=2
